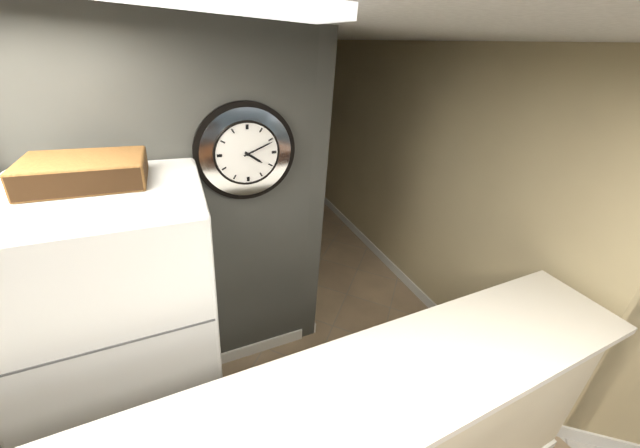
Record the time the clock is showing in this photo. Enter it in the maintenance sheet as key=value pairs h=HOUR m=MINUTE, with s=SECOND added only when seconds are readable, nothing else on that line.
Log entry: h=4 m=11
